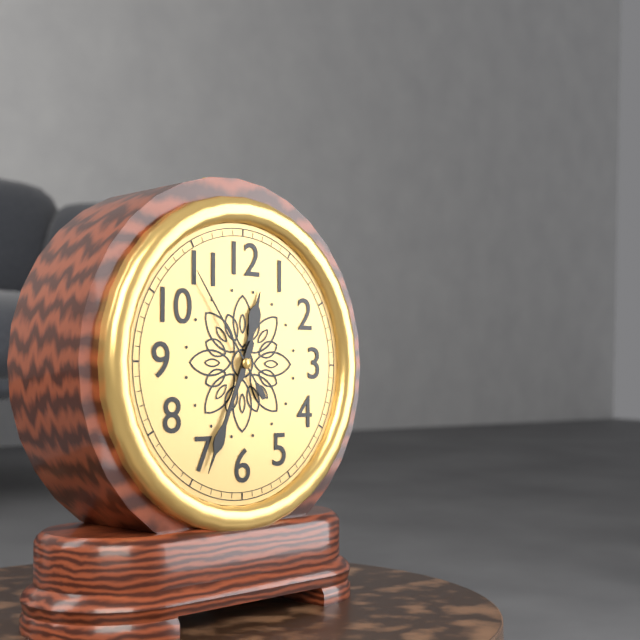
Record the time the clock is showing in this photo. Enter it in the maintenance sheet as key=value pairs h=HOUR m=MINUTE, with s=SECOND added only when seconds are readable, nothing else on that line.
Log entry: h=12 m=34 s=54
